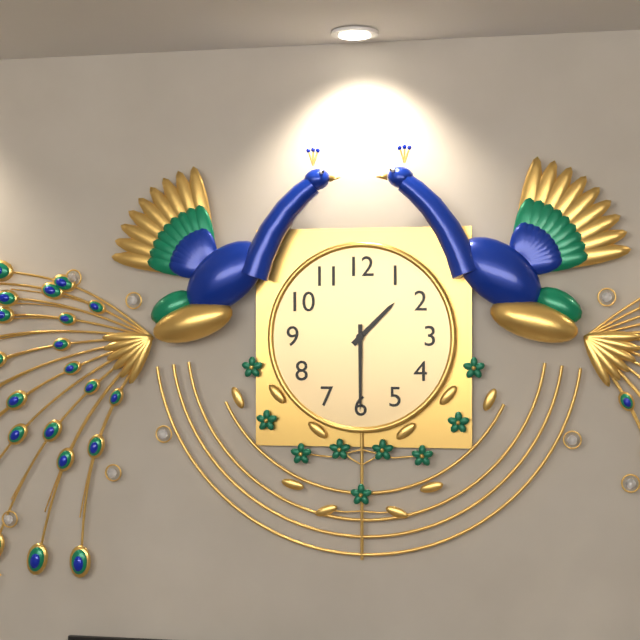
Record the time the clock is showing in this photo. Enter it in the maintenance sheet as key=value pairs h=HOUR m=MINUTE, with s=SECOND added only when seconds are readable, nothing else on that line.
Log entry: h=1 m=30
